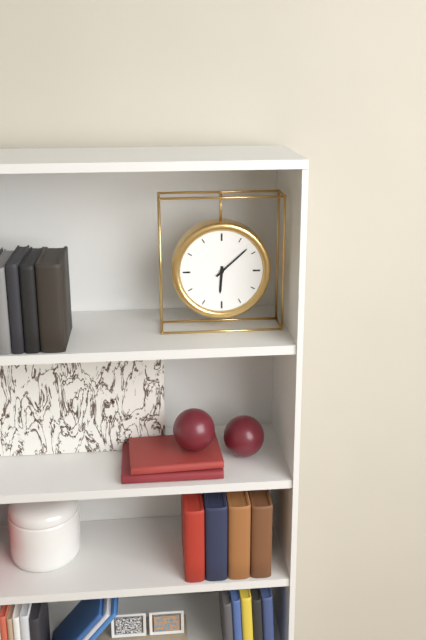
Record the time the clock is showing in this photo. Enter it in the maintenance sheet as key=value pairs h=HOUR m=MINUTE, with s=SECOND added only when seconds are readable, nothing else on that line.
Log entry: h=6 m=8
